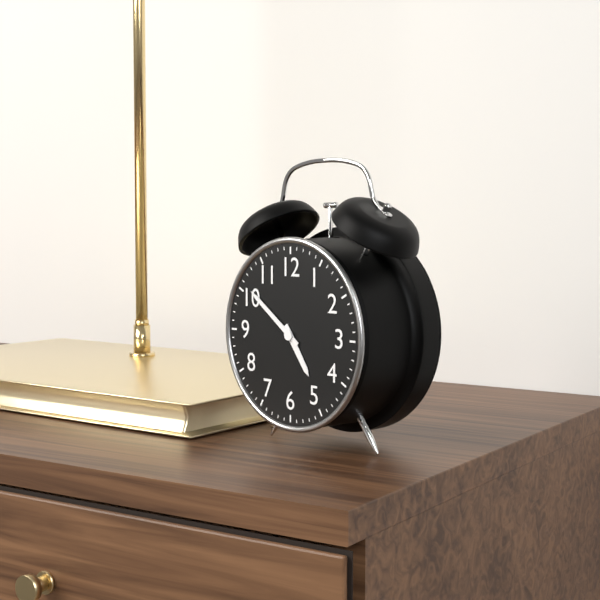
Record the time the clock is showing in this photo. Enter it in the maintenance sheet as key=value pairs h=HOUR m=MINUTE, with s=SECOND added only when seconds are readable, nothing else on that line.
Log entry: h=4 m=51
